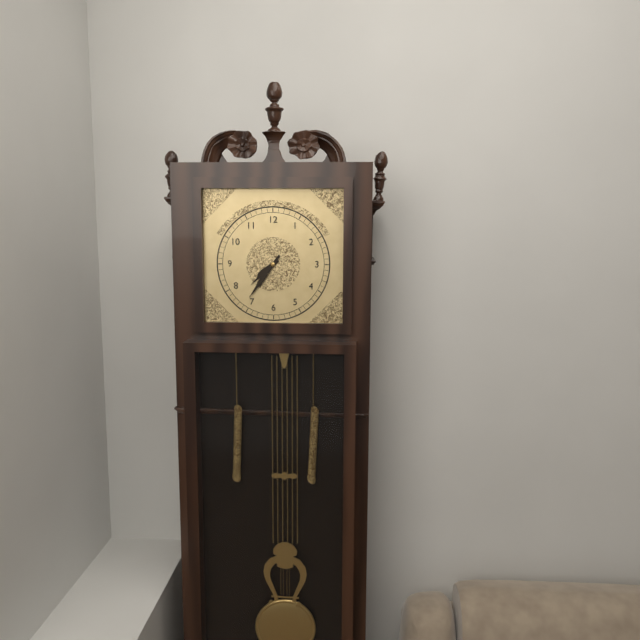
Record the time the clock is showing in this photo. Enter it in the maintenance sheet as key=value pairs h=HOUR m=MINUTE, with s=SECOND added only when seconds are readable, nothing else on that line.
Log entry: h=7 m=36
